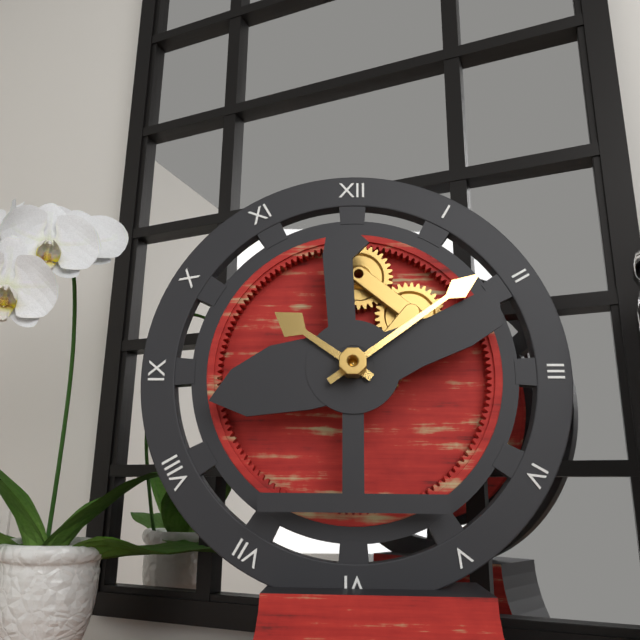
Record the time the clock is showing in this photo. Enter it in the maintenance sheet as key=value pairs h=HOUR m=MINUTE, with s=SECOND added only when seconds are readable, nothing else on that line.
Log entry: h=10 m=9
